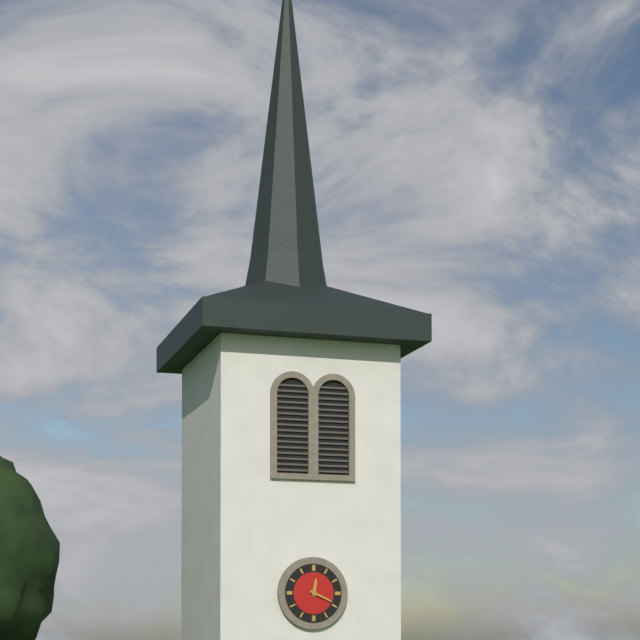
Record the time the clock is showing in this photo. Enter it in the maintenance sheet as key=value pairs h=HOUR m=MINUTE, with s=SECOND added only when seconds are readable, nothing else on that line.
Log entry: h=12 m=19
